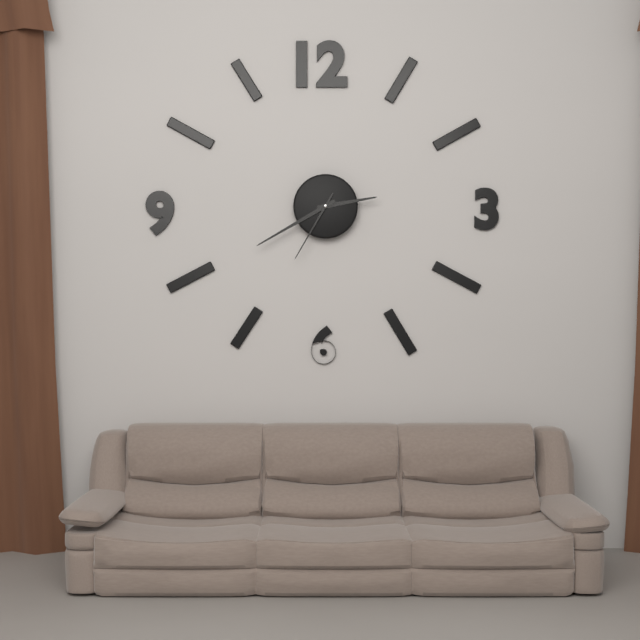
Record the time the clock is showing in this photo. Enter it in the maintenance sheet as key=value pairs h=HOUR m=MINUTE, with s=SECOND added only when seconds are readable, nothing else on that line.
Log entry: h=2 m=40 s=35
